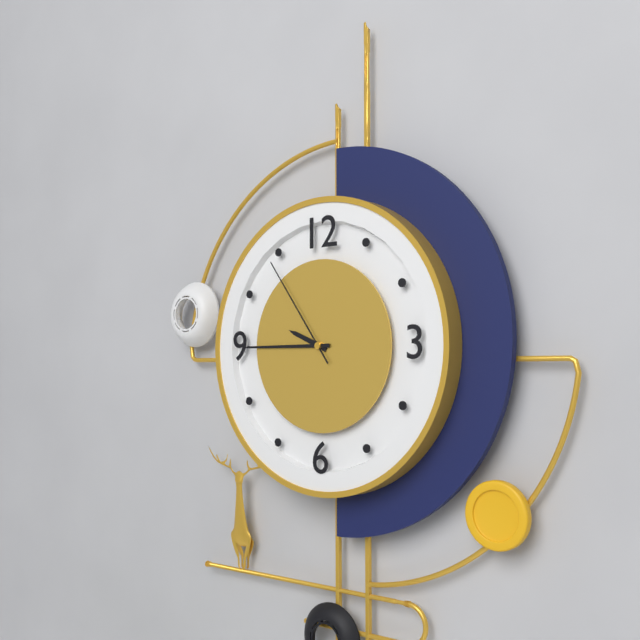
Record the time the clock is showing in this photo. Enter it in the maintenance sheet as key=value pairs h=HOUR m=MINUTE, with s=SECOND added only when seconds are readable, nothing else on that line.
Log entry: h=9 m=45 s=54
